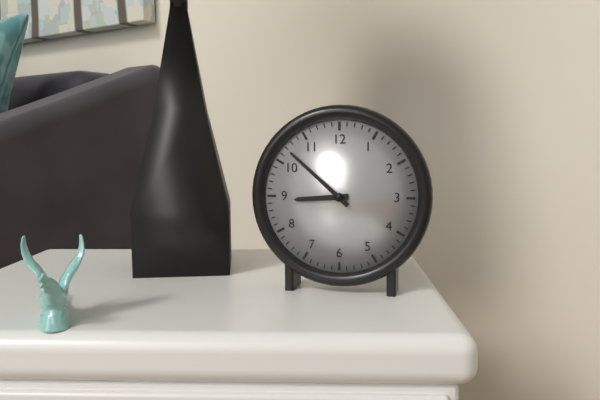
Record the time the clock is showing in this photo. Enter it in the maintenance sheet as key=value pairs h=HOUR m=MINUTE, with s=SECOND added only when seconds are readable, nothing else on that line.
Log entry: h=8 m=52
